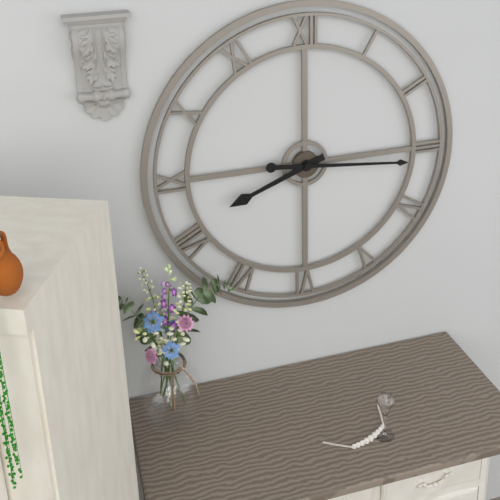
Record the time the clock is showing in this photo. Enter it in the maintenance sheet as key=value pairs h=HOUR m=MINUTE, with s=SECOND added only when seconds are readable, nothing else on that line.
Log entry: h=8 m=16
